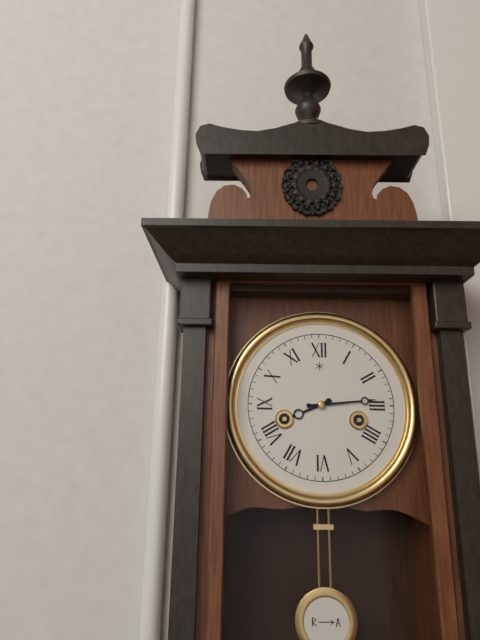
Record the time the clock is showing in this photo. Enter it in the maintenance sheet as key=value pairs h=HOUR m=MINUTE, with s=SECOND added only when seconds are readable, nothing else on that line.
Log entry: h=8 m=14
